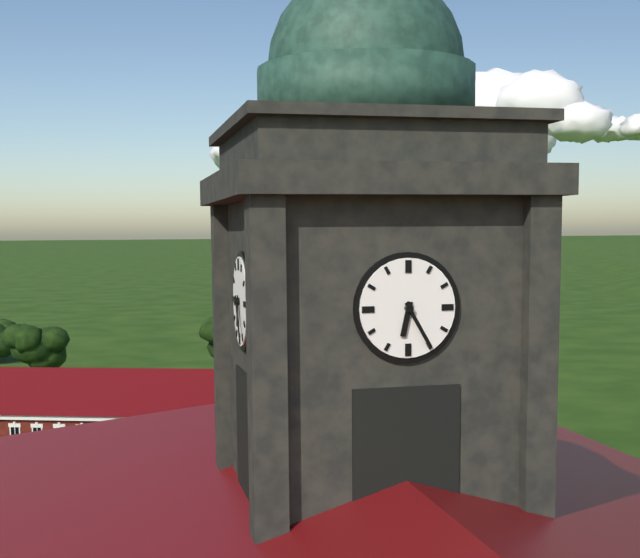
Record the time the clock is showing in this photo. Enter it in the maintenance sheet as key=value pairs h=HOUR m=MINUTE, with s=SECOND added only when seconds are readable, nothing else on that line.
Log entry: h=6 m=25
